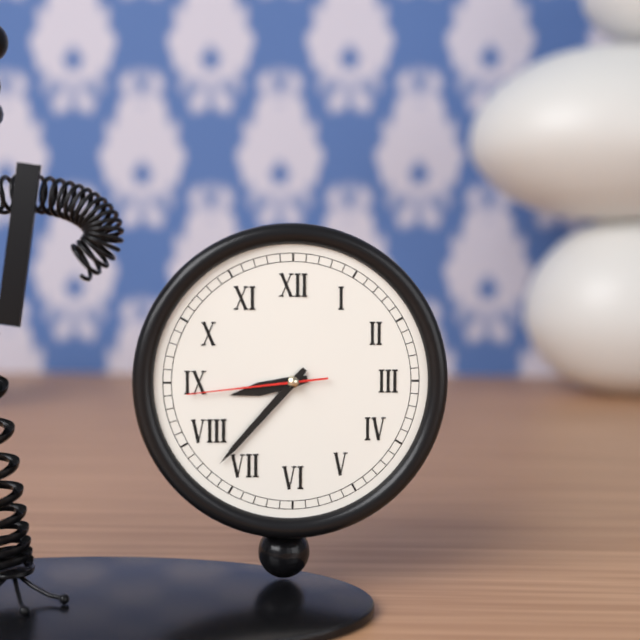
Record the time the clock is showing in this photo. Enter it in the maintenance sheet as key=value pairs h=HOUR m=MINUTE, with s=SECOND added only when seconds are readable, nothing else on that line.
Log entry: h=8 m=37 s=44
